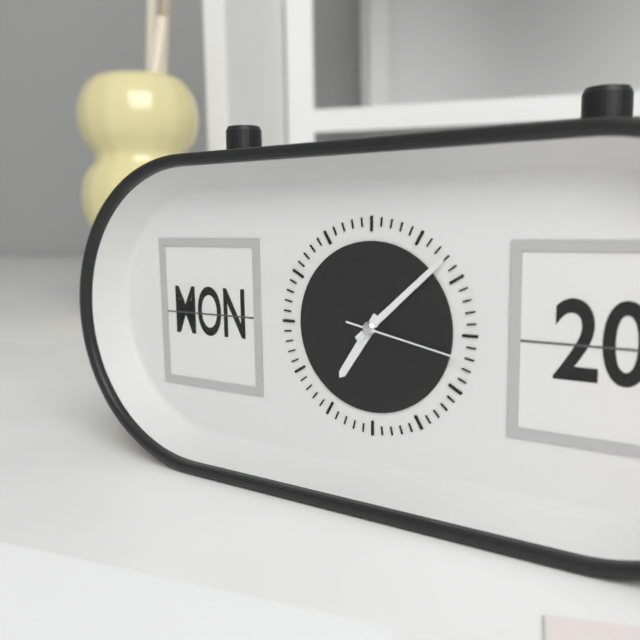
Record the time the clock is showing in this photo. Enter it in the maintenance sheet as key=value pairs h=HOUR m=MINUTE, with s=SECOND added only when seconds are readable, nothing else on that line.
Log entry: h=7 m=8 s=17
